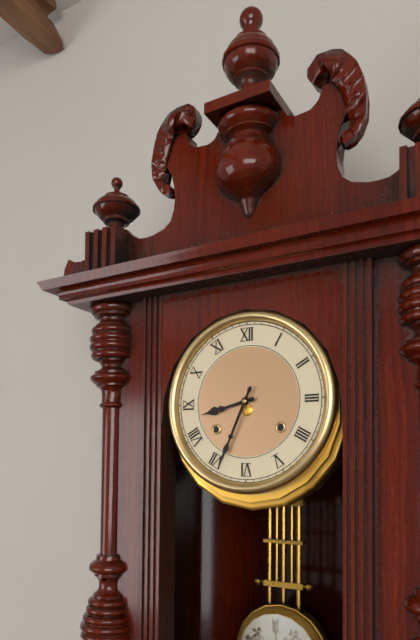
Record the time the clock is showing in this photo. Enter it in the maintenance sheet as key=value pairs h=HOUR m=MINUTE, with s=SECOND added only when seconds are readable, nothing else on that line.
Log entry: h=8 m=34
